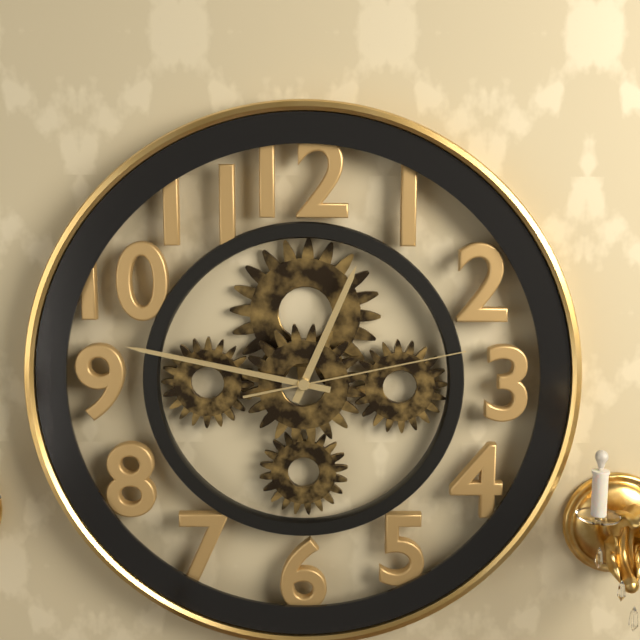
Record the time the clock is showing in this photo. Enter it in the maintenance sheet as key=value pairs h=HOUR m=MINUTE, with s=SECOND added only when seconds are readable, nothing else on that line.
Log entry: h=12 m=47 s=13
